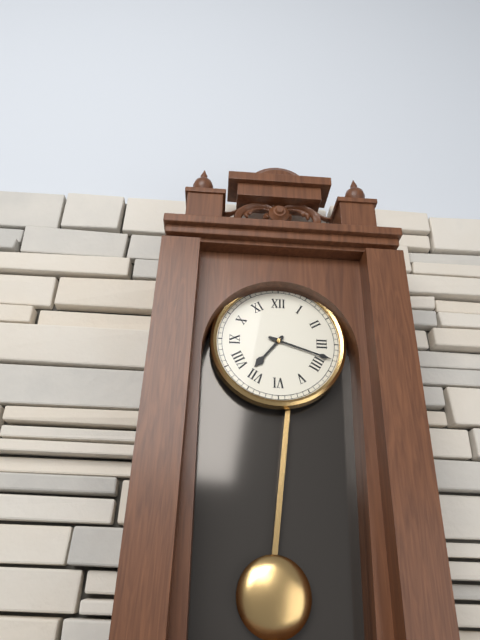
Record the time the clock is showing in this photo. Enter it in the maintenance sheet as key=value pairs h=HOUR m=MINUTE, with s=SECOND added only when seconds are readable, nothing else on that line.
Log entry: h=7 m=18
